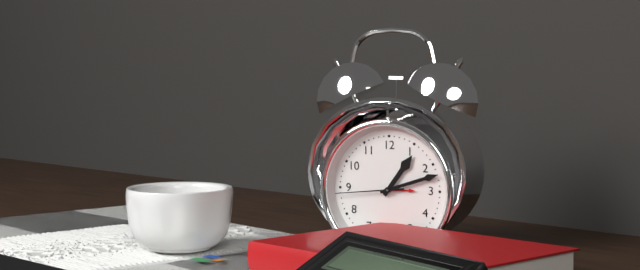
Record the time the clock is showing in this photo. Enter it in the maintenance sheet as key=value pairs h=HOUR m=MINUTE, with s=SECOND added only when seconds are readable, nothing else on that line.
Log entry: h=1 m=12 s=44
